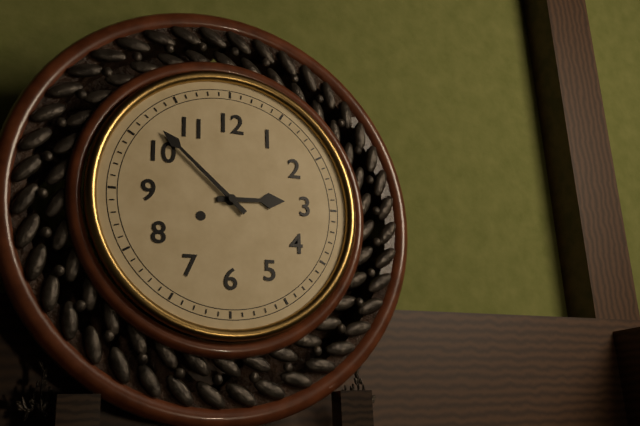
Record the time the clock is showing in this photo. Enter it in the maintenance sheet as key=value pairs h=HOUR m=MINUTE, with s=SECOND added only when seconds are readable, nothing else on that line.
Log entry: h=2 m=52
